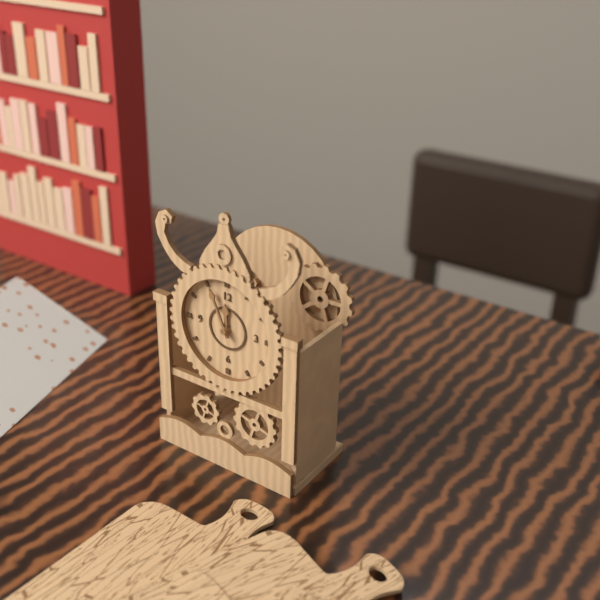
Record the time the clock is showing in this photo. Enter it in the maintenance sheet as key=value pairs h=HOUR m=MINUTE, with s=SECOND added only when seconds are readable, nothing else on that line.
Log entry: h=11 m=56
